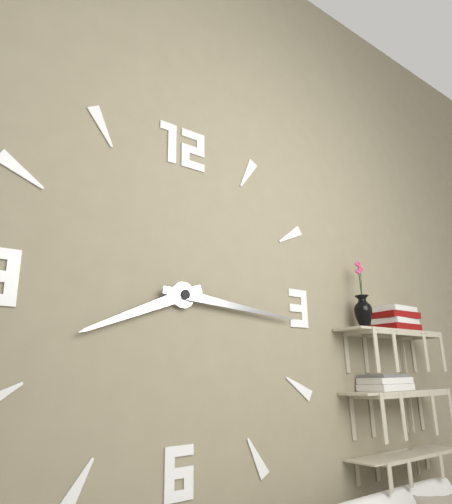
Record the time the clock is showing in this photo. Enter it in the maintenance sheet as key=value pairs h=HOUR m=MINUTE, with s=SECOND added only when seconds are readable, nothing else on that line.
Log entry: h=8 m=16
